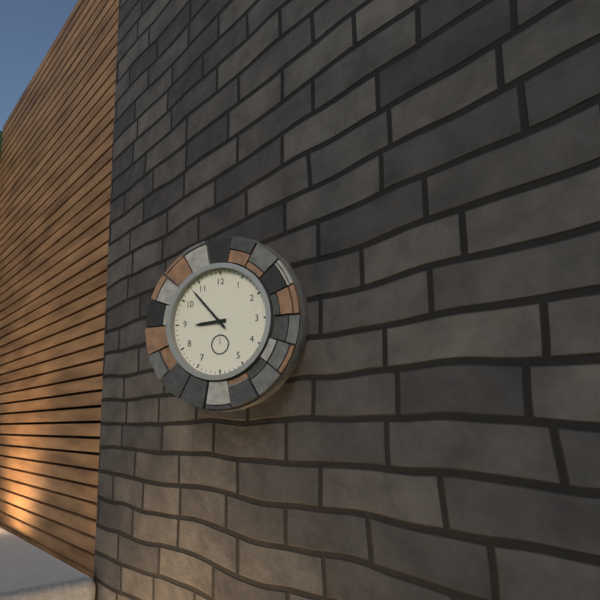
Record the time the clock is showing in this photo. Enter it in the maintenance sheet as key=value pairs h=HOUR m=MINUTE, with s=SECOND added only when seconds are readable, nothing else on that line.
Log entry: h=8 m=53
